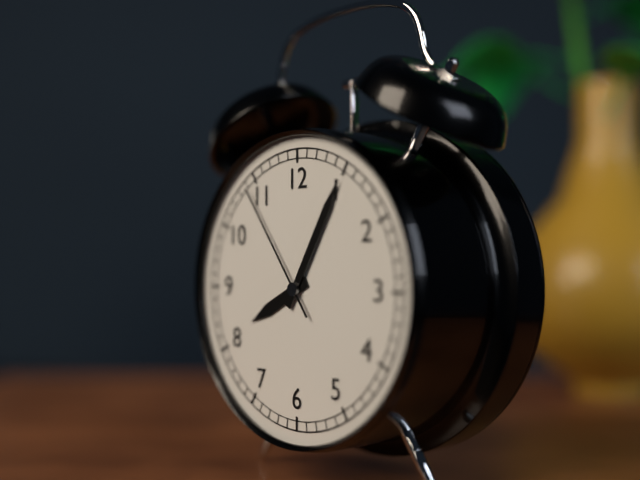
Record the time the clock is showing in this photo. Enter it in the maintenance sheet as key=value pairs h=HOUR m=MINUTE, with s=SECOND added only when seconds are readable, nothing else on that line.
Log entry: h=8 m=5 s=54
